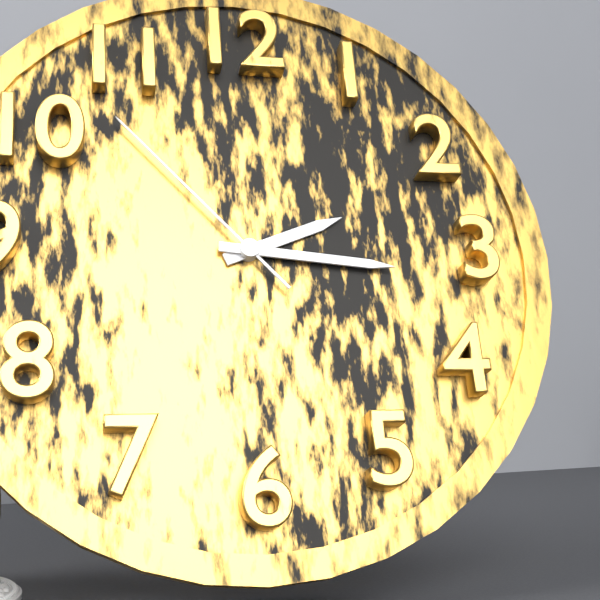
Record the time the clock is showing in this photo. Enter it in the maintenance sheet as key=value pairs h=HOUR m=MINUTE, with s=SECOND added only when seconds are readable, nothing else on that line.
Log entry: h=2 m=16 s=53
